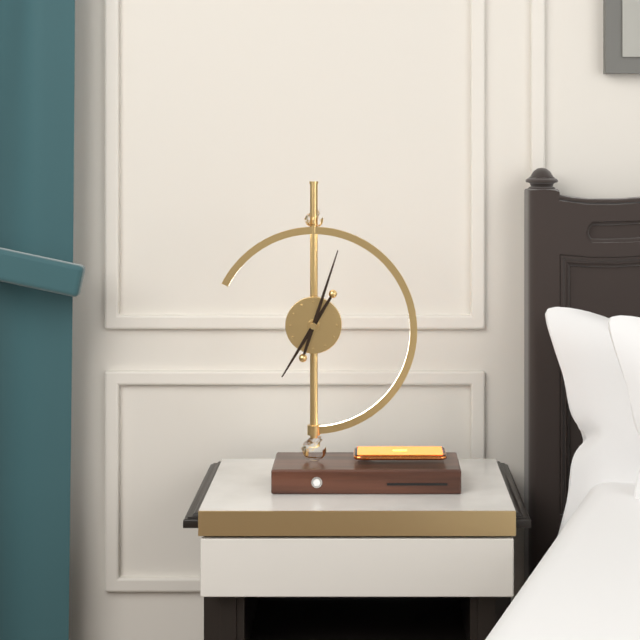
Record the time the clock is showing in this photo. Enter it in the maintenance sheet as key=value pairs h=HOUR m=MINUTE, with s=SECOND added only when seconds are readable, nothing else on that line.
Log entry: h=7 m=3
